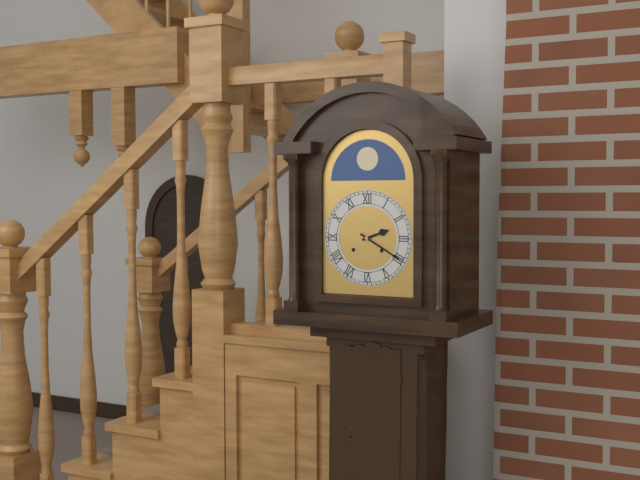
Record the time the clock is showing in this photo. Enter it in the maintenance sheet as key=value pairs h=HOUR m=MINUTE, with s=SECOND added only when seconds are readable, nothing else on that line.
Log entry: h=2 m=20
